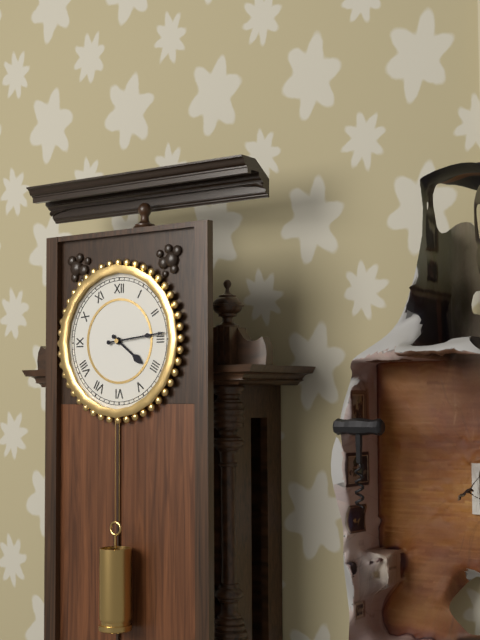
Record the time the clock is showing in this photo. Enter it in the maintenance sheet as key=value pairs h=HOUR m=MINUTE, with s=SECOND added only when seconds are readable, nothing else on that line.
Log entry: h=4 m=14
